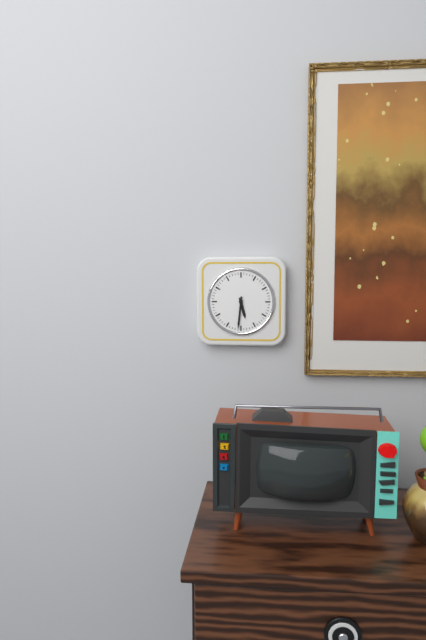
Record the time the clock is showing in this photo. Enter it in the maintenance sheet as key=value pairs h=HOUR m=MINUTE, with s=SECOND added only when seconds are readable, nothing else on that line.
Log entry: h=5 m=31
